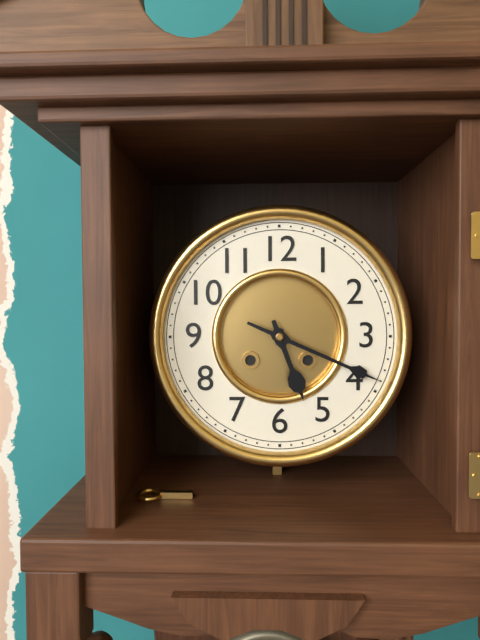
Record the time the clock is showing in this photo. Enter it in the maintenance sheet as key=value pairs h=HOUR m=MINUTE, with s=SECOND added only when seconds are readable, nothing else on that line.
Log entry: h=5 m=19
